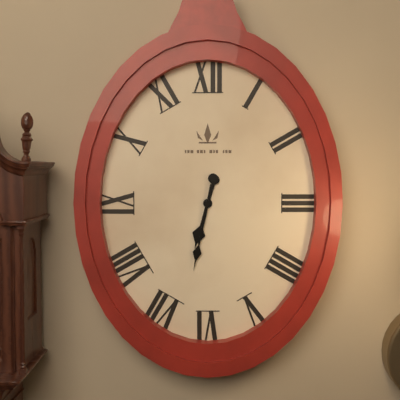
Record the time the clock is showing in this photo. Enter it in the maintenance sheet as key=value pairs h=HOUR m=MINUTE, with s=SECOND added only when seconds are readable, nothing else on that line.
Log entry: h=6 m=32
